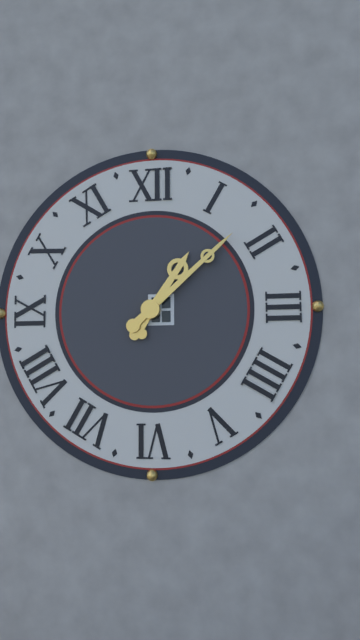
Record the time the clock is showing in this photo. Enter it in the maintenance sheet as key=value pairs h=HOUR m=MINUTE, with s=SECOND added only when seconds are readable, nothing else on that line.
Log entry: h=1 m=8
